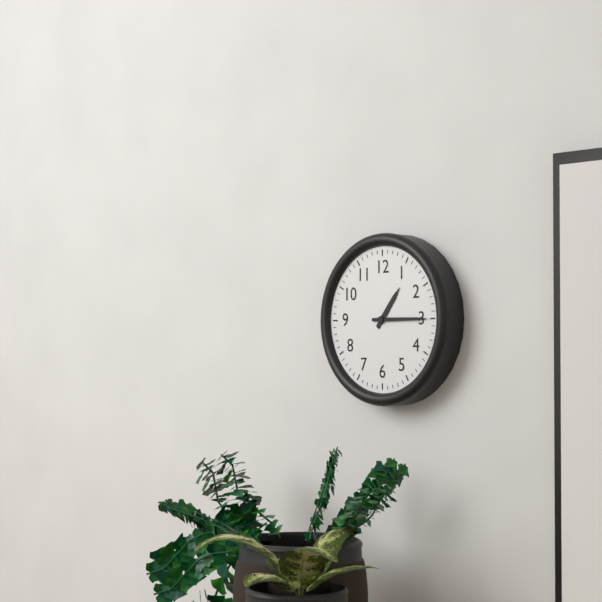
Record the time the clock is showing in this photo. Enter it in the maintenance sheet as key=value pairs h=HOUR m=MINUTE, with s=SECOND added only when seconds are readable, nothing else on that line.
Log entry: h=1 m=15
